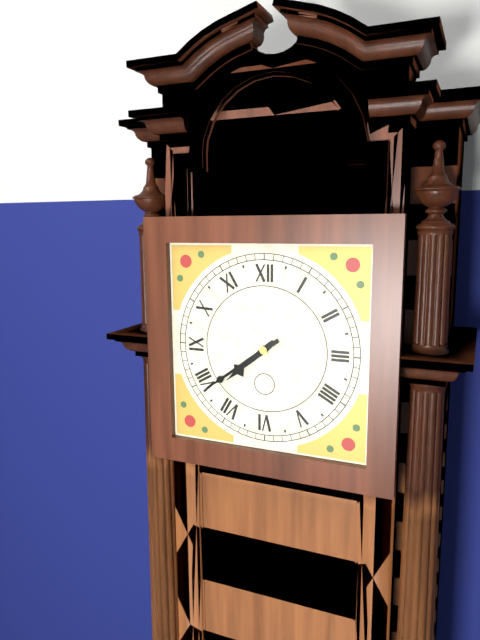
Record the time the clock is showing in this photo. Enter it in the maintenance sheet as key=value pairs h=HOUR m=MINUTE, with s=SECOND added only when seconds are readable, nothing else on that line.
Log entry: h=7 m=39
